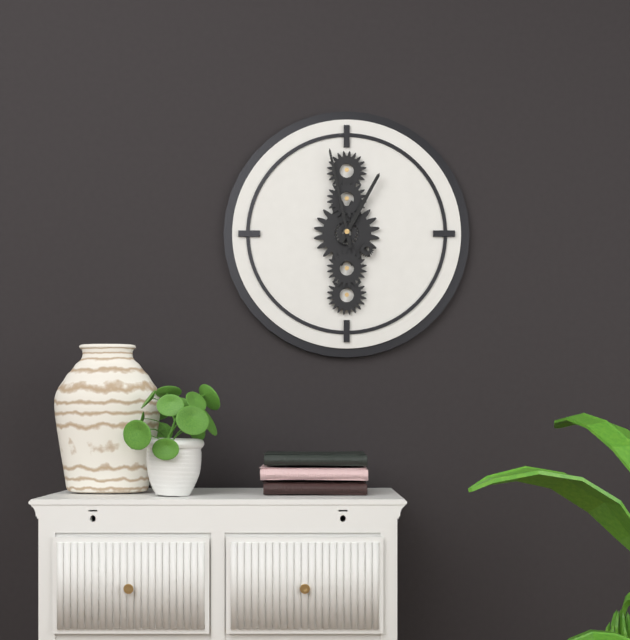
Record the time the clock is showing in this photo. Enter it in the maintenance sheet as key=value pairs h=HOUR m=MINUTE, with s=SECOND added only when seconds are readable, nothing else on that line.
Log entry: h=12 m=58
